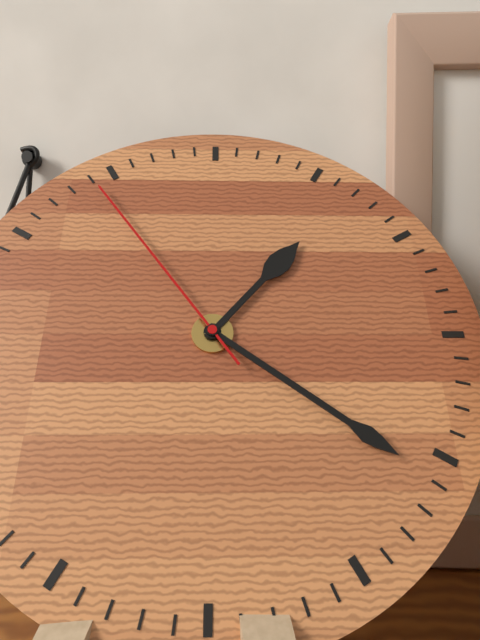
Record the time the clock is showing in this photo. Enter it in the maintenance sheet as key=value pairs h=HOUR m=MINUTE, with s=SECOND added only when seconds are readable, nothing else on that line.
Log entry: h=1 m=21 s=54
